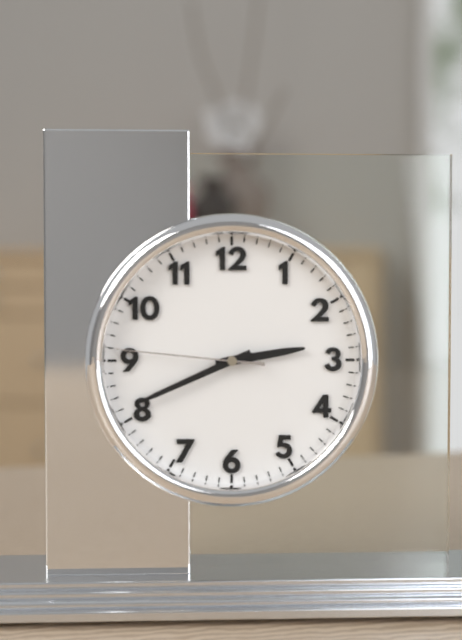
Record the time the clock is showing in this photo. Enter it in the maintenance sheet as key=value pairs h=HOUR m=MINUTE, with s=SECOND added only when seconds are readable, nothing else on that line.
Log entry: h=2 m=41 s=46
